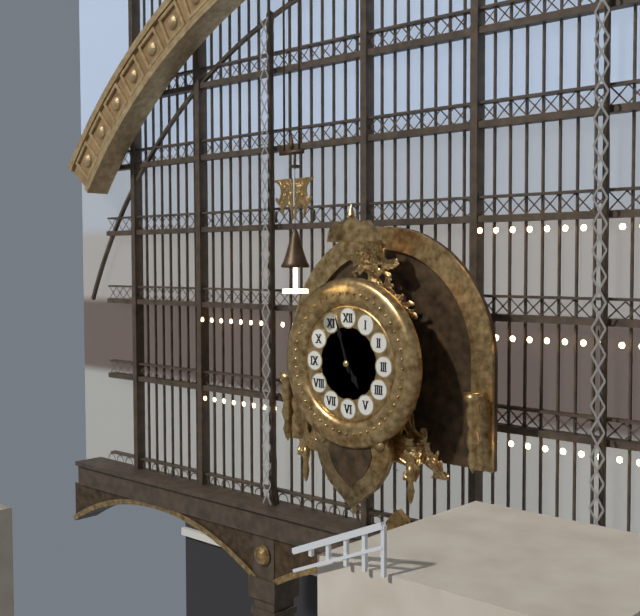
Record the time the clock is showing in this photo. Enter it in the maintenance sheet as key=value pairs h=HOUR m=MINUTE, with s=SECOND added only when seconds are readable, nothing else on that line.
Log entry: h=4 m=57
